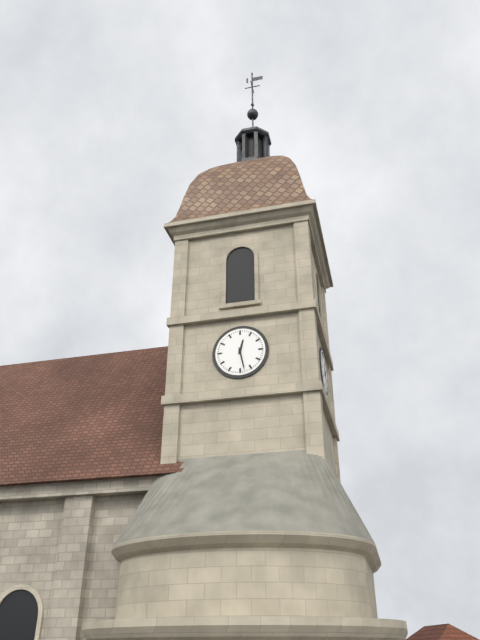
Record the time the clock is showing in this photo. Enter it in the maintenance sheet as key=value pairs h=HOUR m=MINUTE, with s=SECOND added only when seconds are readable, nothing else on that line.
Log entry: h=12 m=28
